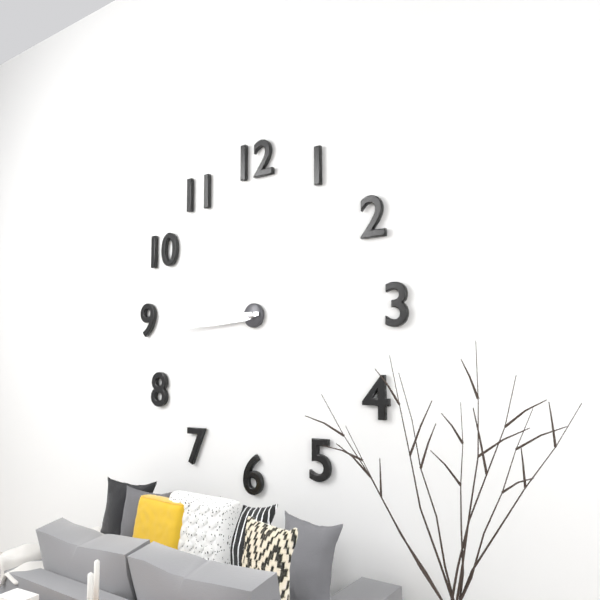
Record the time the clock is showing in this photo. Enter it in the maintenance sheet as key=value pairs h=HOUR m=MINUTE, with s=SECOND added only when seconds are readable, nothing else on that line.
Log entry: h=8 m=44
